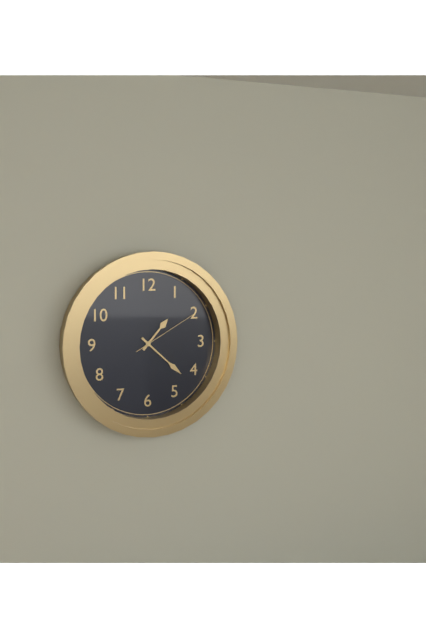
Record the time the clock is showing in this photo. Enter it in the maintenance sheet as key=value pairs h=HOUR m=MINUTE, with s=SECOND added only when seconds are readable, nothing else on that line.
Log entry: h=1 m=22 s=10
